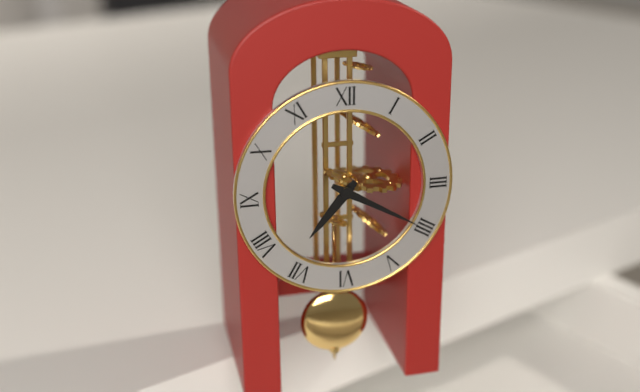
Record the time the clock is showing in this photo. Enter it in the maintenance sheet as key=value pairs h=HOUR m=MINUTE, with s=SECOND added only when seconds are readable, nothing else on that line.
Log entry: h=7 m=20
